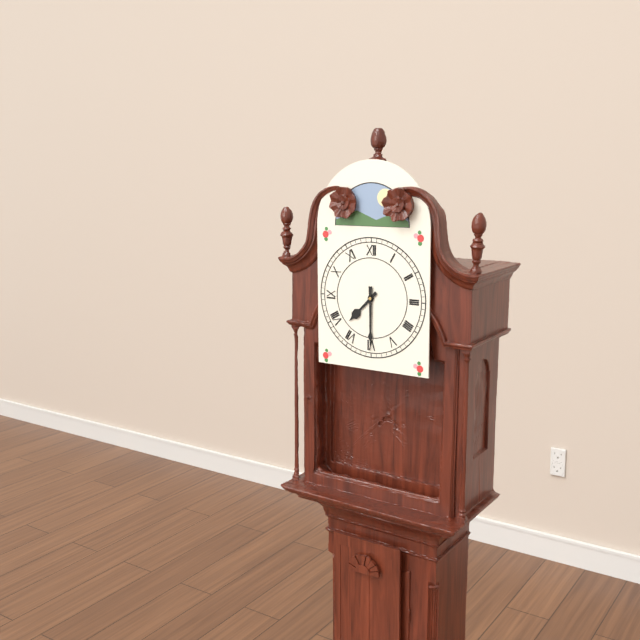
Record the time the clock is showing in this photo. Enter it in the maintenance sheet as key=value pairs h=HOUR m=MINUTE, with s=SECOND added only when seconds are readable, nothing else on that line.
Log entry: h=7 m=30
